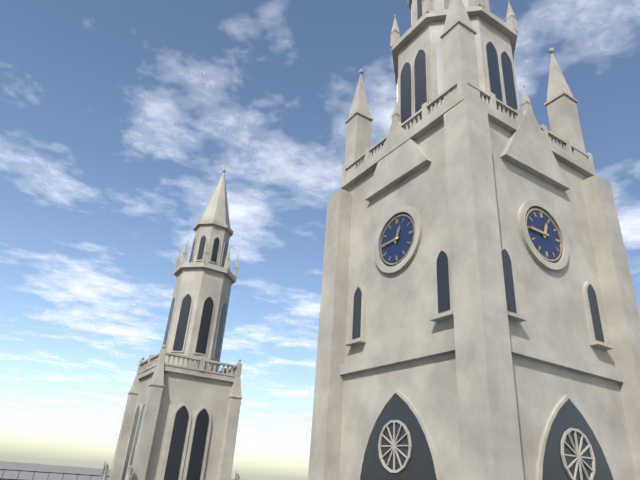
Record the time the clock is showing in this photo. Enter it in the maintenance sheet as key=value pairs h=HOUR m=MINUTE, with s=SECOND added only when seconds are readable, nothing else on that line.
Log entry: h=12 m=45
